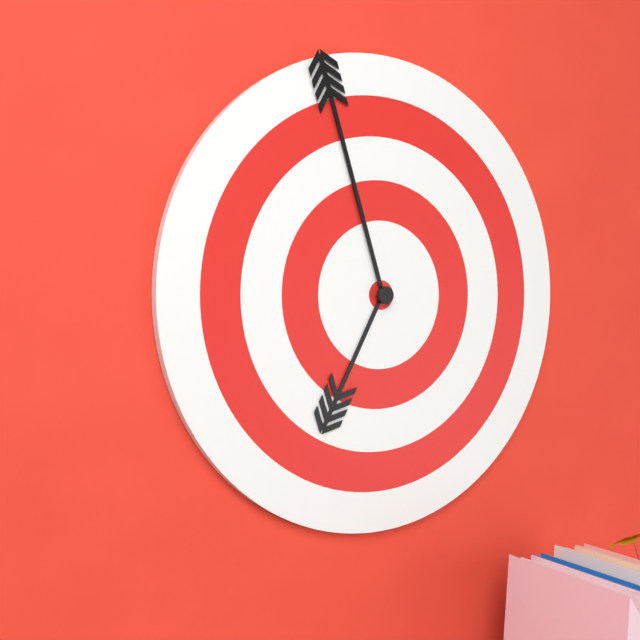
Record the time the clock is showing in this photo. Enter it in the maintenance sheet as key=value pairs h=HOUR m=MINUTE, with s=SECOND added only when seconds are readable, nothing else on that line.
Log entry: h=6 m=57
